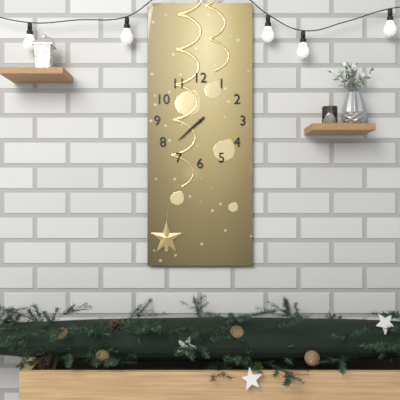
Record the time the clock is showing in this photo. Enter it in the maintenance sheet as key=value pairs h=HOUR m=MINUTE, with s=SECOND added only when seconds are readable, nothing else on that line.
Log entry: h=7 m=38
